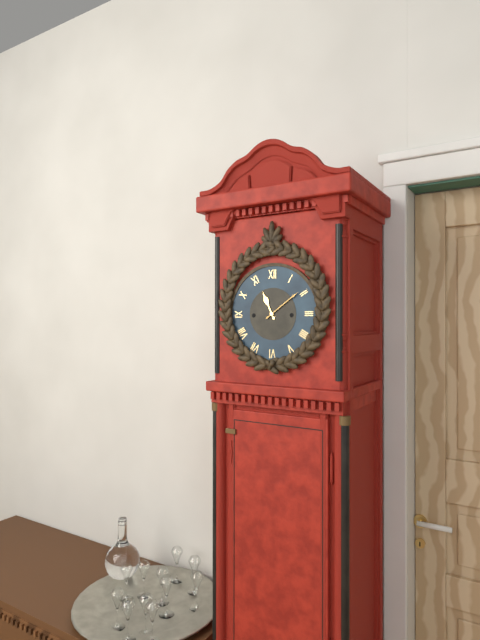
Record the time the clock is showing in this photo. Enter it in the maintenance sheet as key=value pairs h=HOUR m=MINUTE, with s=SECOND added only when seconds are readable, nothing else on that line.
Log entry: h=11 m=9
